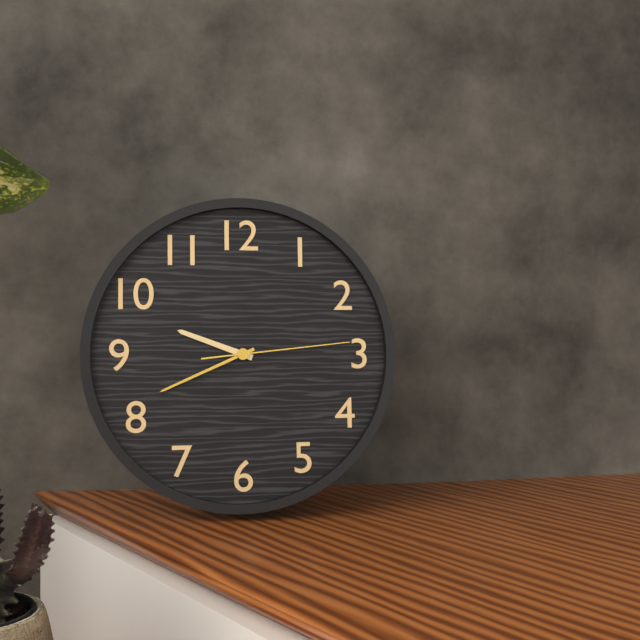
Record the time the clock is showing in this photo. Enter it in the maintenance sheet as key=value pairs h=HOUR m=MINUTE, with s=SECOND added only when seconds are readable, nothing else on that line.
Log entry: h=9 m=41 s=14
